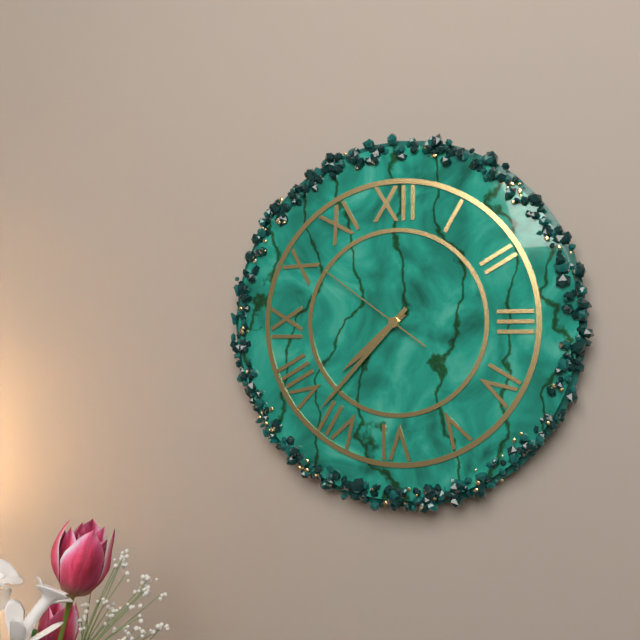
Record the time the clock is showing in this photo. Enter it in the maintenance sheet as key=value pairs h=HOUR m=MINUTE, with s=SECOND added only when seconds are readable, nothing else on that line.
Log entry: h=7 m=37 s=51
